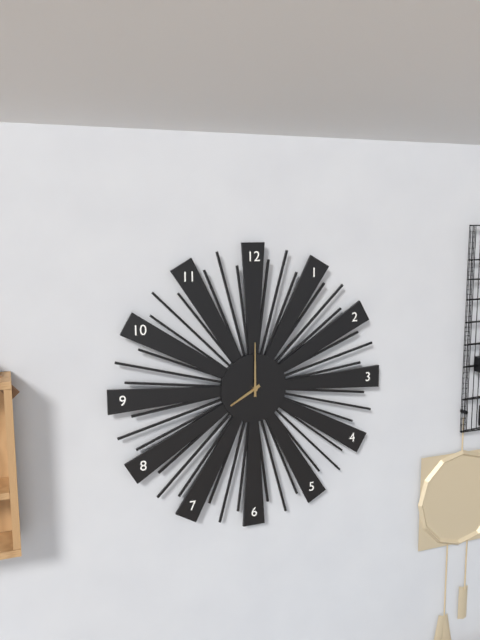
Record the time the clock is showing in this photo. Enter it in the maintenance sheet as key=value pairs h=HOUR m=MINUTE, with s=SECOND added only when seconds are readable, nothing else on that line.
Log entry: h=8 m=0
